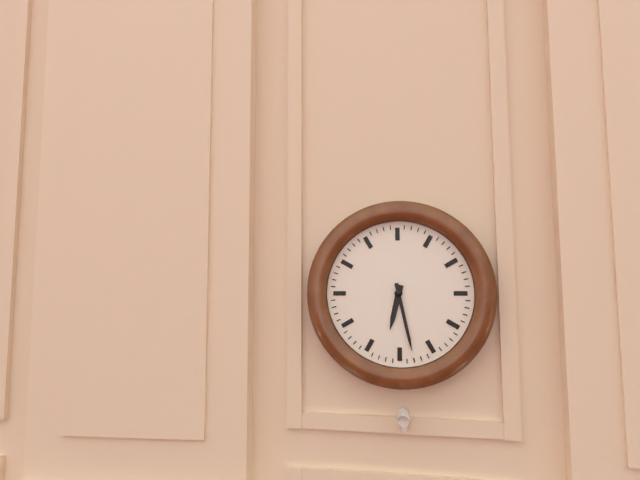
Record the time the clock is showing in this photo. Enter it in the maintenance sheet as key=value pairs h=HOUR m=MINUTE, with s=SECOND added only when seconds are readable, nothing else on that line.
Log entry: h=6 m=28
